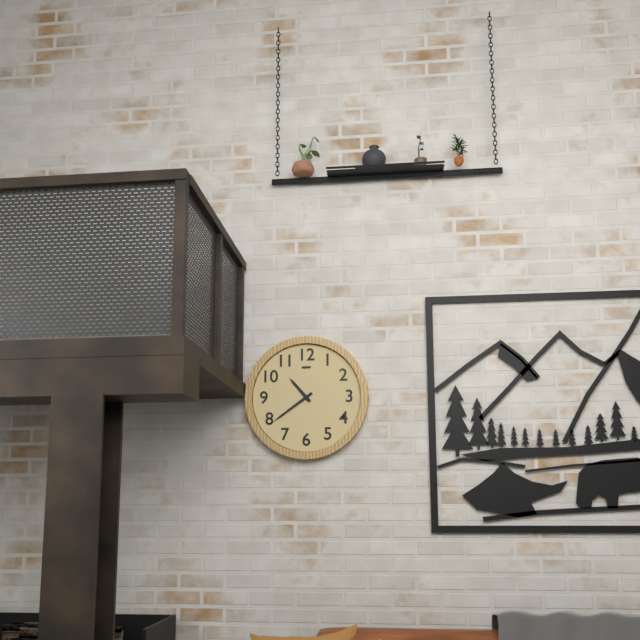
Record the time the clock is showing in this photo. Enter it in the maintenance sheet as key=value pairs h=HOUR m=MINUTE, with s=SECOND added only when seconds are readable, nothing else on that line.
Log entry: h=10 m=39
